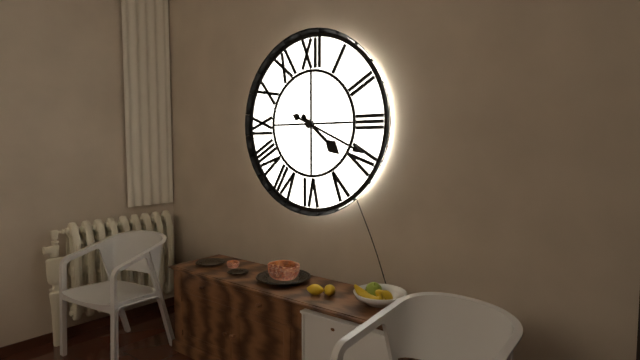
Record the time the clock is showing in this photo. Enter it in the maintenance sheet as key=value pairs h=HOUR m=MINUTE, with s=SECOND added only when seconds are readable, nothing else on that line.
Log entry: h=4 m=19
